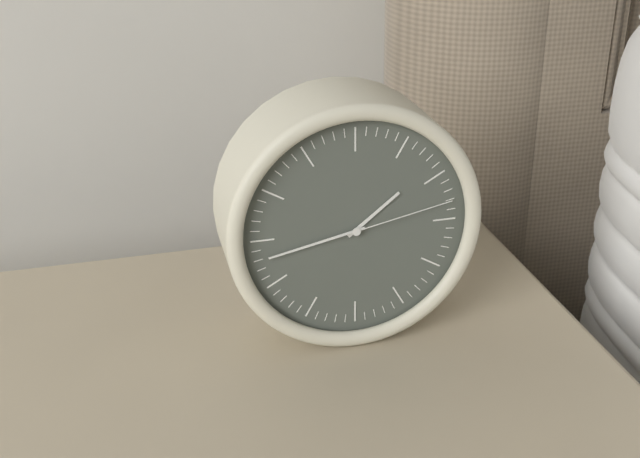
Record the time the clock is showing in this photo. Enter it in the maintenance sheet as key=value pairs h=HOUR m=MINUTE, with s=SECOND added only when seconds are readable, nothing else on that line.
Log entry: h=1 m=43 s=13
